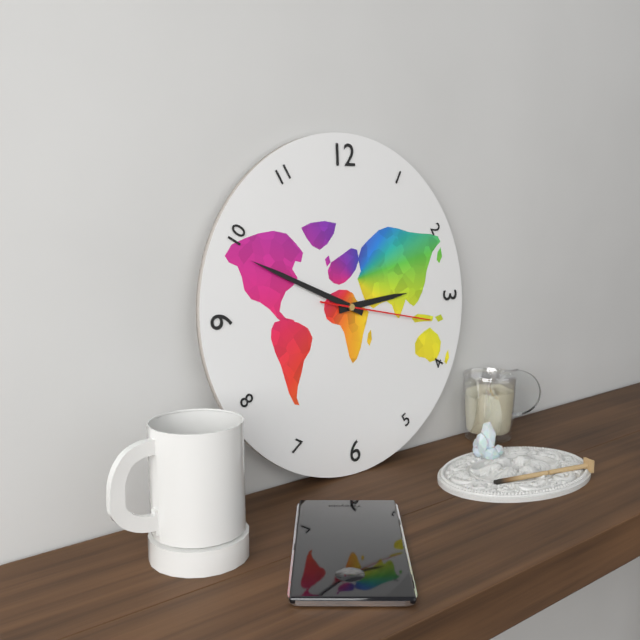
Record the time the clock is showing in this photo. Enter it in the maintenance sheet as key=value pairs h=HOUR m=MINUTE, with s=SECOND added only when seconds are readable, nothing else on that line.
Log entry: h=2 m=49 s=17
